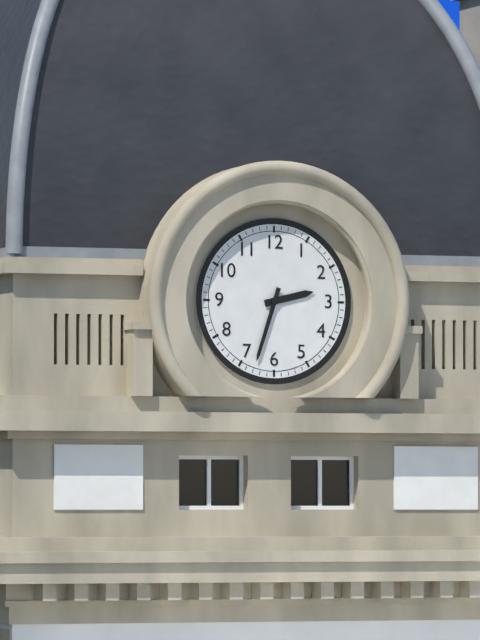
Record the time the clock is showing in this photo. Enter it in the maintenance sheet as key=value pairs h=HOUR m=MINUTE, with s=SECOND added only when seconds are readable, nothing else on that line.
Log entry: h=2 m=33
